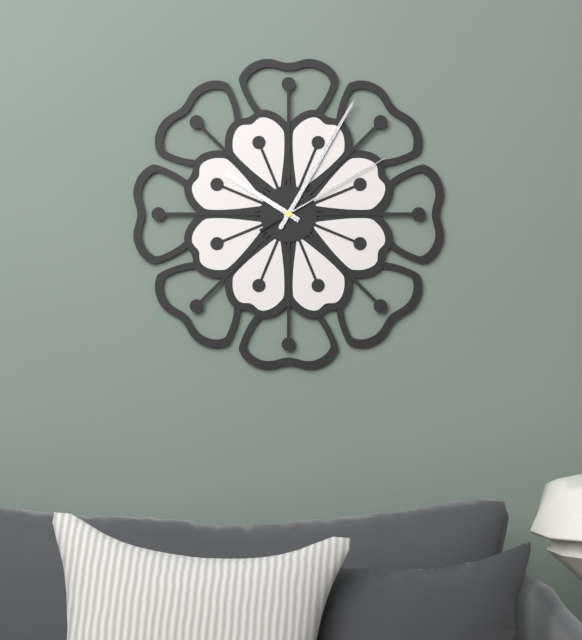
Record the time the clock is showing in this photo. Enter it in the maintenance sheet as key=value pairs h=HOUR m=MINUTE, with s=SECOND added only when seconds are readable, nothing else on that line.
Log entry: h=10 m=5 s=10
